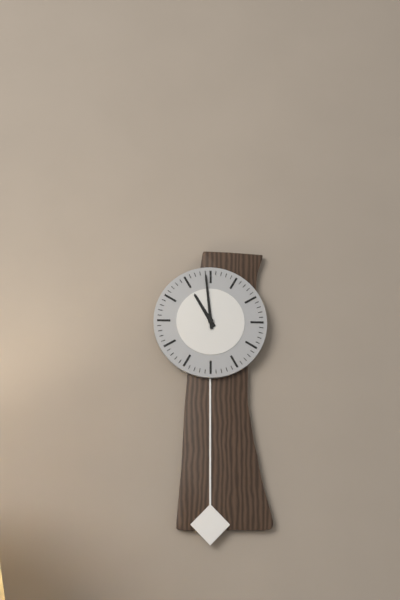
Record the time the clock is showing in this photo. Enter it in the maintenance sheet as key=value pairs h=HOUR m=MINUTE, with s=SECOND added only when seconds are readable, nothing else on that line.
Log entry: h=10 m=59
